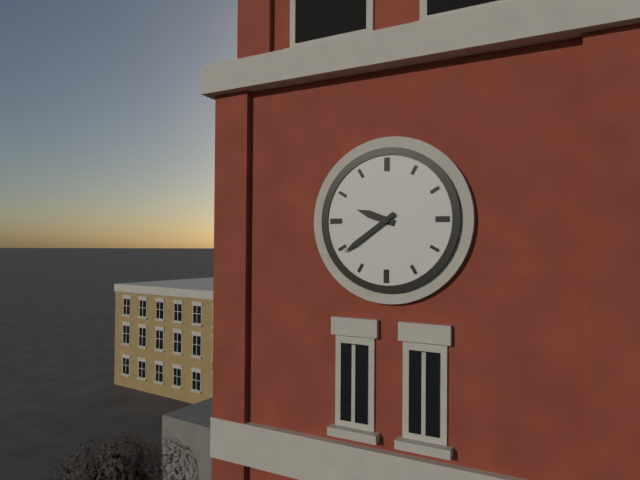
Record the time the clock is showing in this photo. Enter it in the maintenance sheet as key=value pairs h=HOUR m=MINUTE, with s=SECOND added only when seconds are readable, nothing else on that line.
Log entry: h=9 m=39
